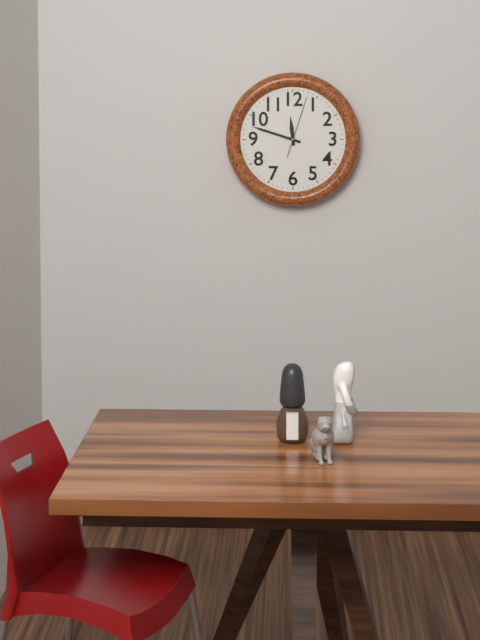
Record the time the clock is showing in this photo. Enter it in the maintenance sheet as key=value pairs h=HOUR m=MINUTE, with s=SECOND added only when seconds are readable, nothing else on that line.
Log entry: h=11 m=48 s=3
